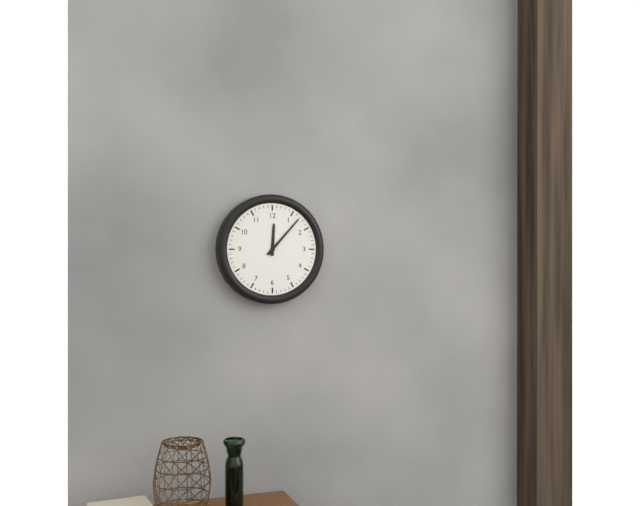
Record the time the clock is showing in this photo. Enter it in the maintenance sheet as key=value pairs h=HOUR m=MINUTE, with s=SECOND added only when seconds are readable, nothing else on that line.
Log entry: h=12 m=7
